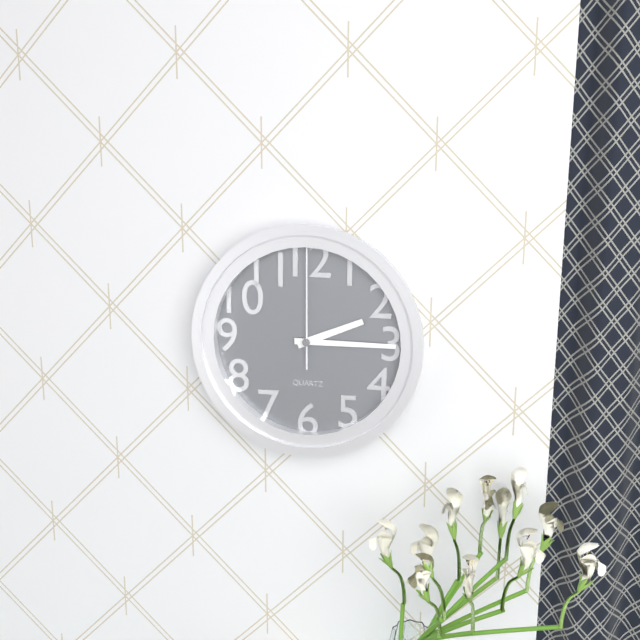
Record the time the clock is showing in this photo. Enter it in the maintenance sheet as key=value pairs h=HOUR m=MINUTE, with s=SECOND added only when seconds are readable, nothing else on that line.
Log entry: h=2 m=15 s=0
